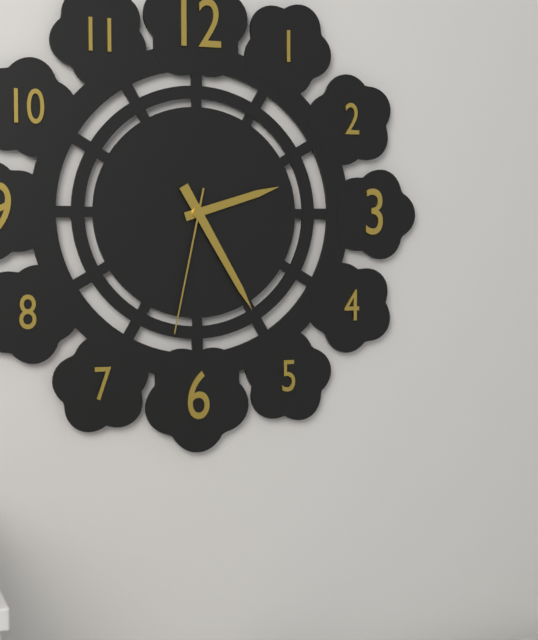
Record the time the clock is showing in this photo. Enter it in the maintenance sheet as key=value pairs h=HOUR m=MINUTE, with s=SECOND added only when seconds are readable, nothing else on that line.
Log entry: h=2 m=25 s=32
